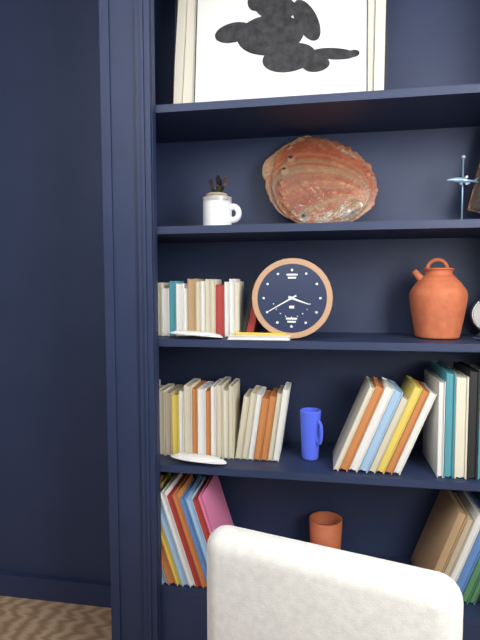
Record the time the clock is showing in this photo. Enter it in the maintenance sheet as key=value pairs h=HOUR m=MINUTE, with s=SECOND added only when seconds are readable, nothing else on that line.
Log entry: h=3 m=40
